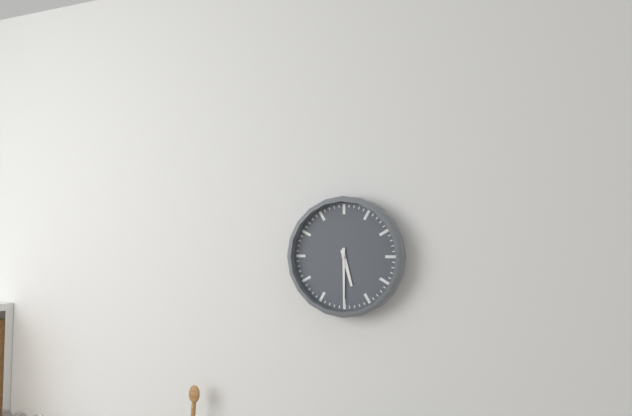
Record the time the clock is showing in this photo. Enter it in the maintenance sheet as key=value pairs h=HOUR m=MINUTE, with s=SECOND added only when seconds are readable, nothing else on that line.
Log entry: h=5 m=30
